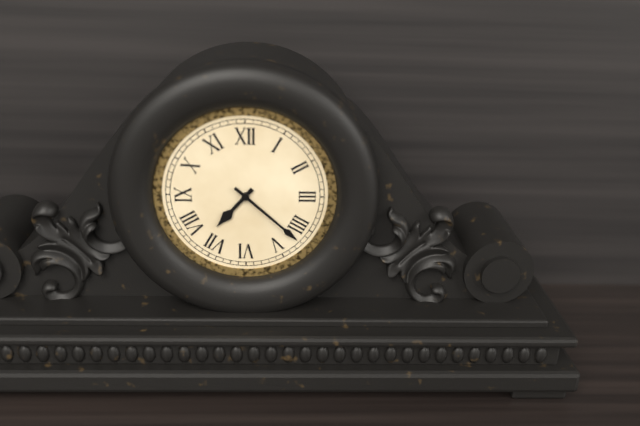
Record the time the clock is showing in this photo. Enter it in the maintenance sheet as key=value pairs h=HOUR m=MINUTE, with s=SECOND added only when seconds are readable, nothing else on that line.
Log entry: h=7 m=22
